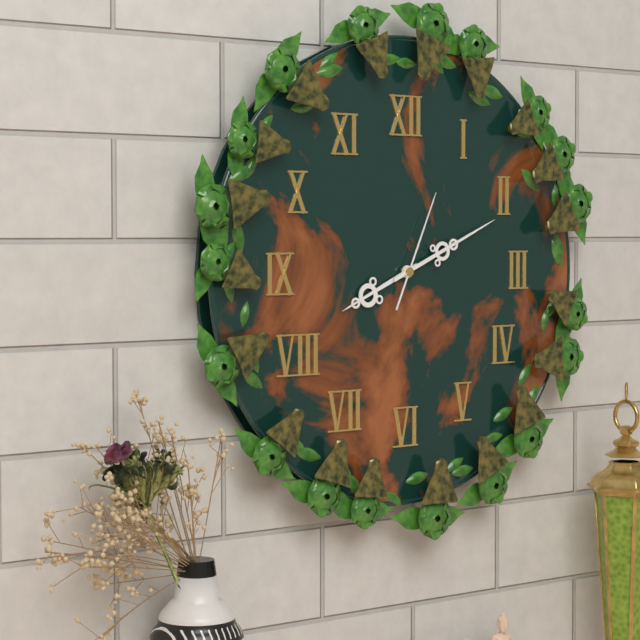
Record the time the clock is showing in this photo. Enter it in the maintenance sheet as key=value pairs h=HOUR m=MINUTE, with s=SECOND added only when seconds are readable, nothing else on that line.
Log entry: h=8 m=11 s=4
